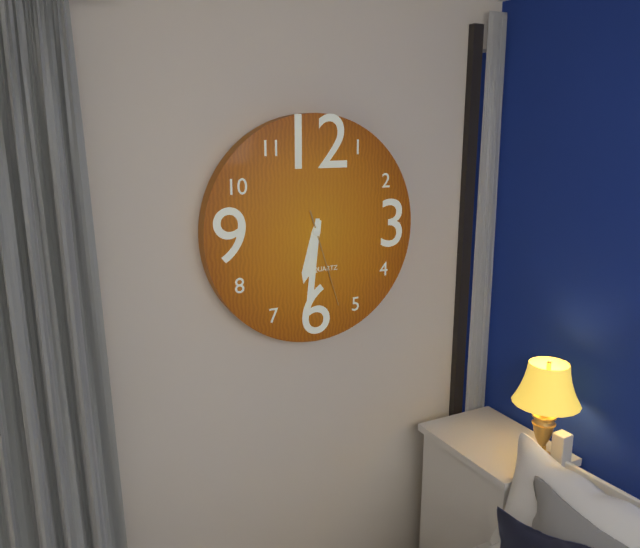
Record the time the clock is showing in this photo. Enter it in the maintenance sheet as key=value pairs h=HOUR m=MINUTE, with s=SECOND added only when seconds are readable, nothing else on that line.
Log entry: h=6 m=31 s=27
